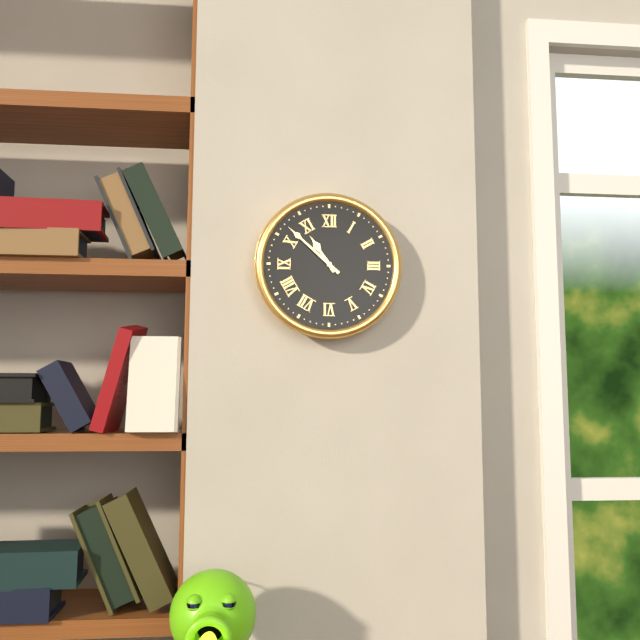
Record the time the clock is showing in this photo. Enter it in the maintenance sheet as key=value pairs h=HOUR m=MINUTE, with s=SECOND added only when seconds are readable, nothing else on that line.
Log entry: h=10 m=52
